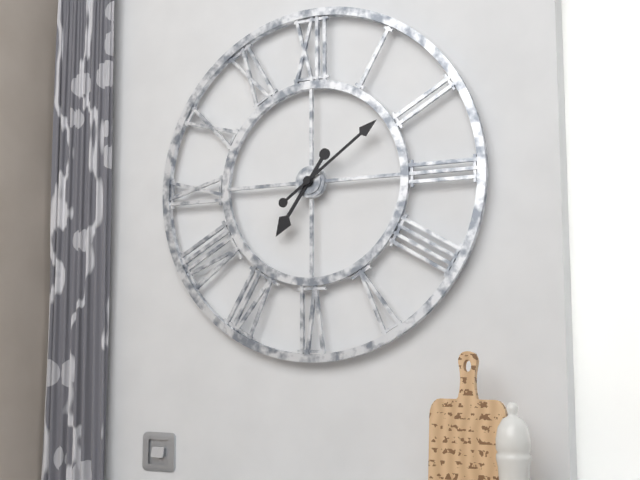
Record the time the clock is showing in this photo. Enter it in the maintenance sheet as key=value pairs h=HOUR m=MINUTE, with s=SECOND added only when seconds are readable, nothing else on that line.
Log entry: h=7 m=9
